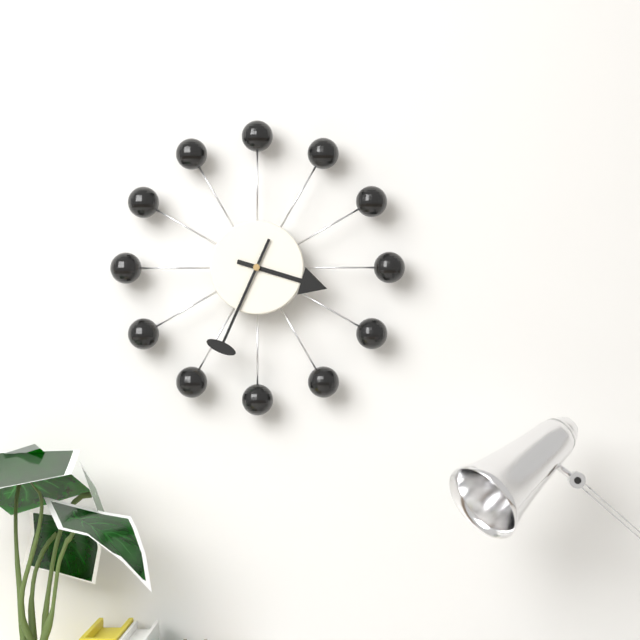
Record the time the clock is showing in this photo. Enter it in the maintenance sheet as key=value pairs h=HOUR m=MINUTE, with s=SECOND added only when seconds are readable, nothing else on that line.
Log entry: h=3 m=34
